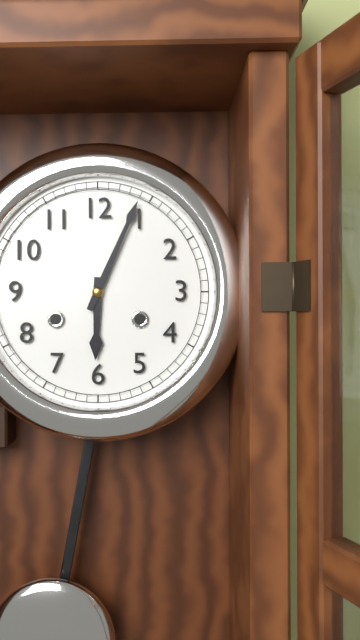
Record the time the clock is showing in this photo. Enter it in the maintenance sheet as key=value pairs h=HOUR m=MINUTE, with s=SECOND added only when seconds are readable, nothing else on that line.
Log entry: h=6 m=4
